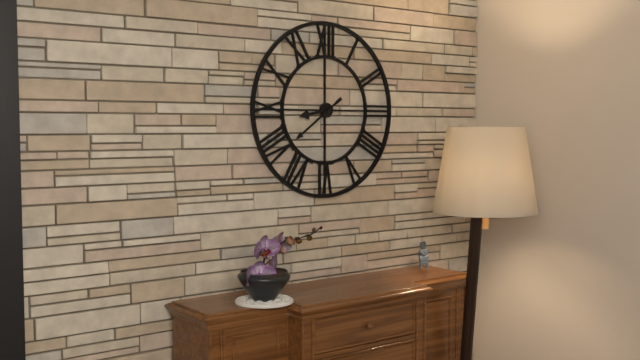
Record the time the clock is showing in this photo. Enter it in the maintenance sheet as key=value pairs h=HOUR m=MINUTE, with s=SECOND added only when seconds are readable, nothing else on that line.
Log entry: h=8 m=39
